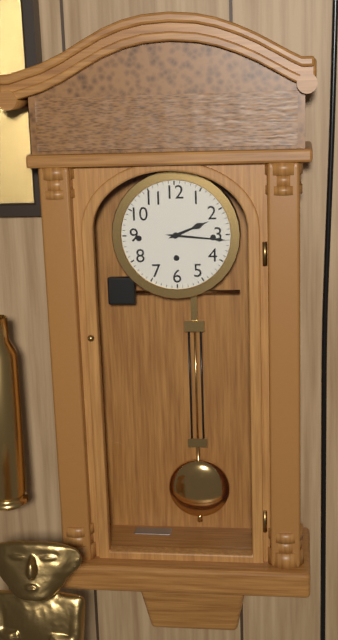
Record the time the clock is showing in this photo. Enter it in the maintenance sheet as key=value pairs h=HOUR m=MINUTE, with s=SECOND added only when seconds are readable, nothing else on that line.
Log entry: h=2 m=16
